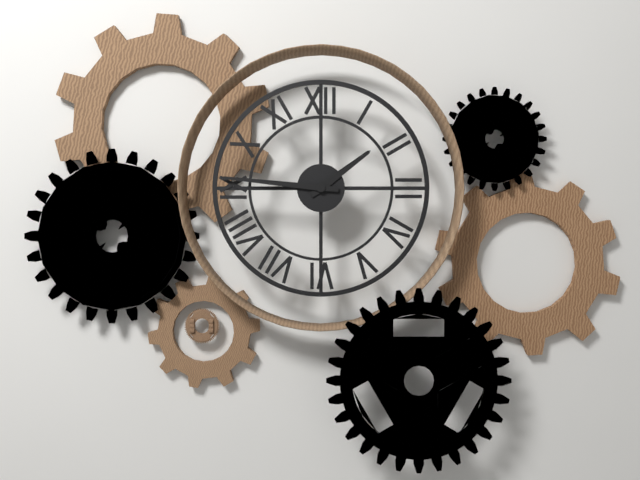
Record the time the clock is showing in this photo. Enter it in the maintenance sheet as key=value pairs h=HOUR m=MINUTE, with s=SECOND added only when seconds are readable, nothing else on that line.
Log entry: h=1 m=46
